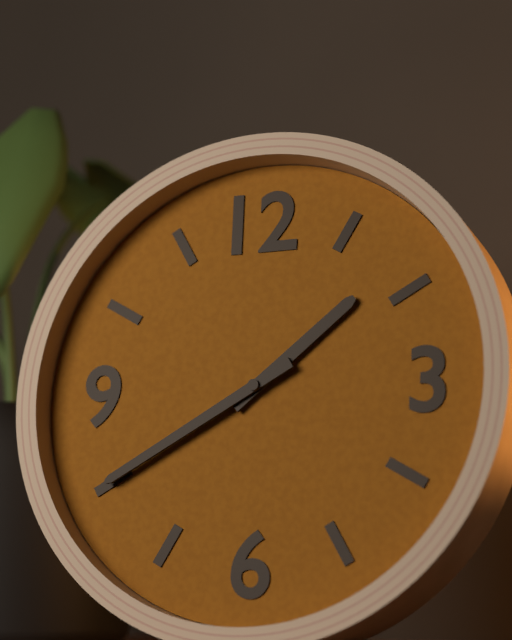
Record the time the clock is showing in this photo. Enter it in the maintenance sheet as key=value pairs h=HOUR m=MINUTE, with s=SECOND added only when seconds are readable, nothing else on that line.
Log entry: h=1 m=40
